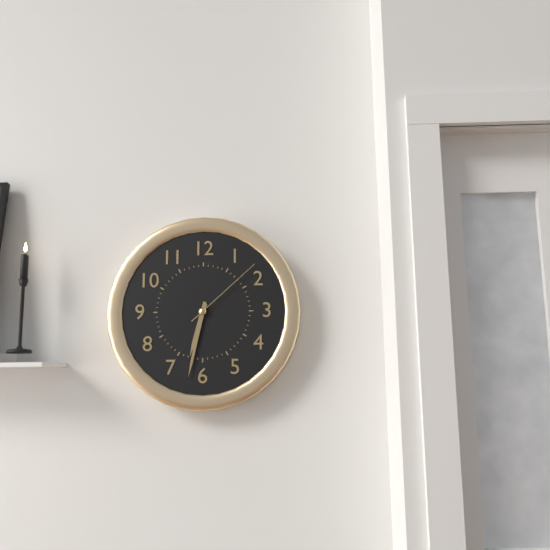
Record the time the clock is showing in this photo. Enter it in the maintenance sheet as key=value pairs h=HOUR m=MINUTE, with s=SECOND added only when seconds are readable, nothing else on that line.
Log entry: h=6 m=32 s=8
